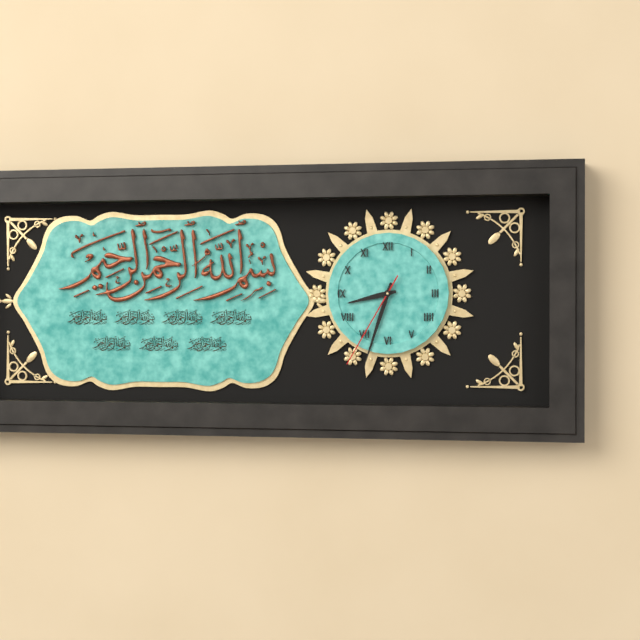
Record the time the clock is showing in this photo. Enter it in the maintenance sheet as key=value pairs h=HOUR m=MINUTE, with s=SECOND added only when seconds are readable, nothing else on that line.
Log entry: h=8 m=33 s=35
